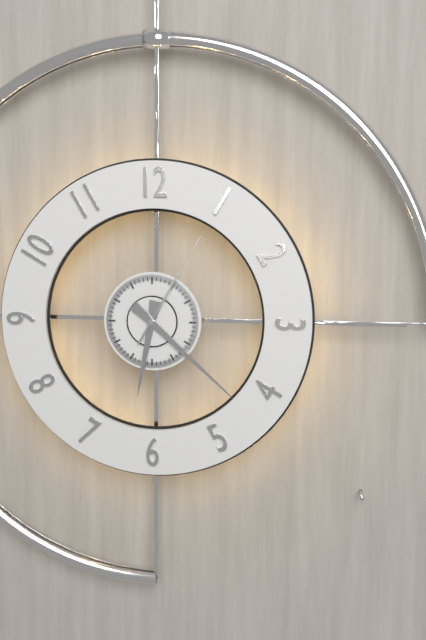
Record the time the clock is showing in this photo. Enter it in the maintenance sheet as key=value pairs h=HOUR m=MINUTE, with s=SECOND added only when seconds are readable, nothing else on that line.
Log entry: h=6 m=22 s=5
